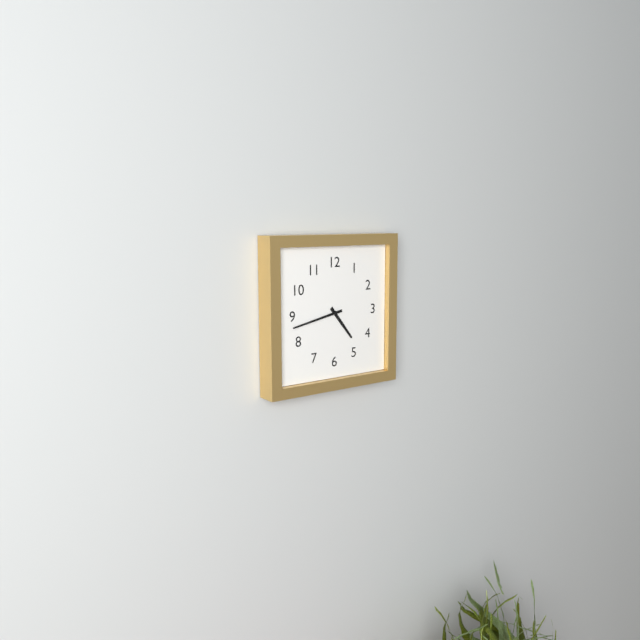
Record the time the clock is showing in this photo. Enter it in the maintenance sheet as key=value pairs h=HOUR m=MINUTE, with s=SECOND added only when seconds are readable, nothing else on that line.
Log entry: h=4 m=43
